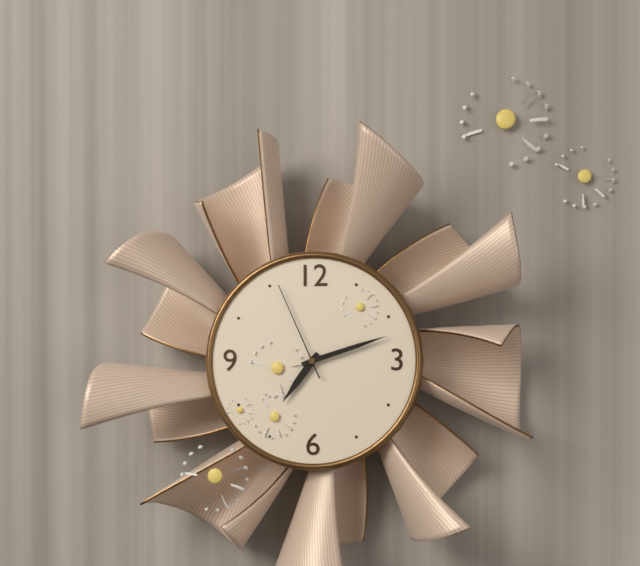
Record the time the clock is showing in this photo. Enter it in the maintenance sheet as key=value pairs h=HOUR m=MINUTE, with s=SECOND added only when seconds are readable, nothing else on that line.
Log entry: h=7 m=12 s=56
